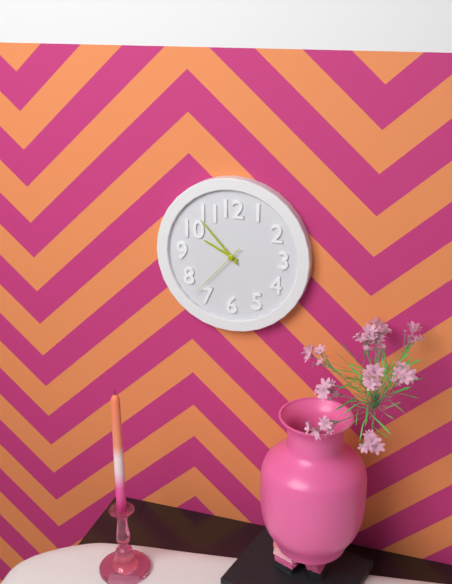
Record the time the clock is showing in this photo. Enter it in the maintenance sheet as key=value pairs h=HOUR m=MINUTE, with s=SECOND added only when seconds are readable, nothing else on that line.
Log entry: h=9 m=53 s=37
